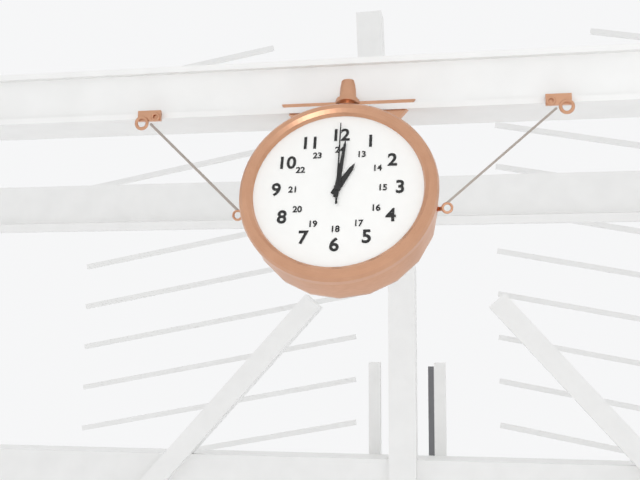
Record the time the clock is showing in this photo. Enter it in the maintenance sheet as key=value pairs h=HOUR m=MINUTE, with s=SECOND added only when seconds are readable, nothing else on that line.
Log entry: h=1 m=1 s=0
